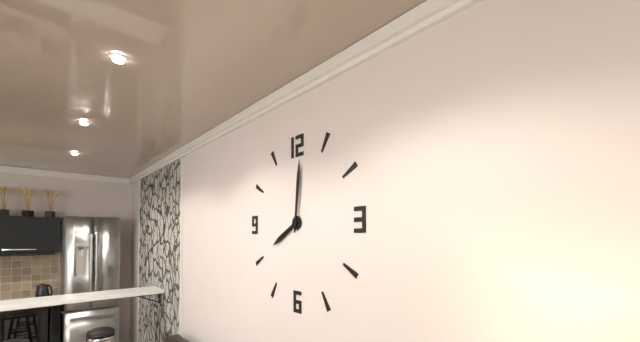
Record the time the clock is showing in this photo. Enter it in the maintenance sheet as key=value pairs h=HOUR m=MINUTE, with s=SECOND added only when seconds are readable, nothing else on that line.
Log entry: h=8 m=1
